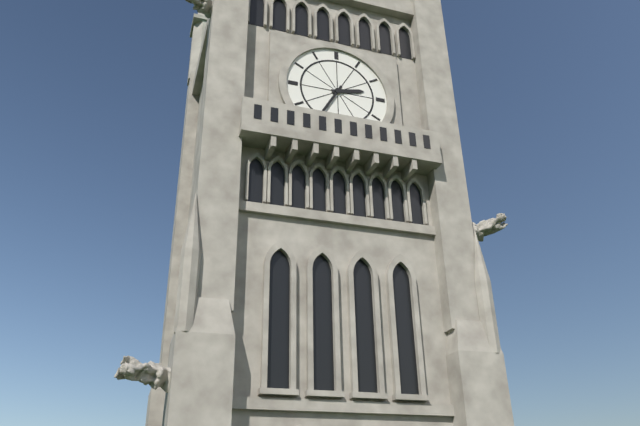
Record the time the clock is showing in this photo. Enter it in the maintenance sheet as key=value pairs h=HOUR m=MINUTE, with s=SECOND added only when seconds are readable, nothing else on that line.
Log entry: h=2 m=35
